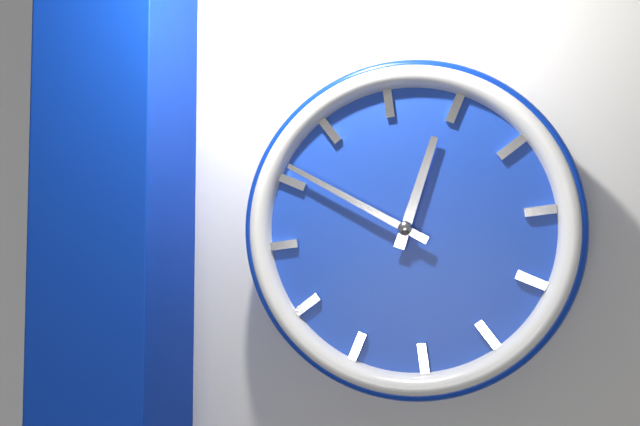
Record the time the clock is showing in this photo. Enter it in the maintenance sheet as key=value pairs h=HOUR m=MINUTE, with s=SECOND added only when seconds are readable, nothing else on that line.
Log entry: h=12 m=51
